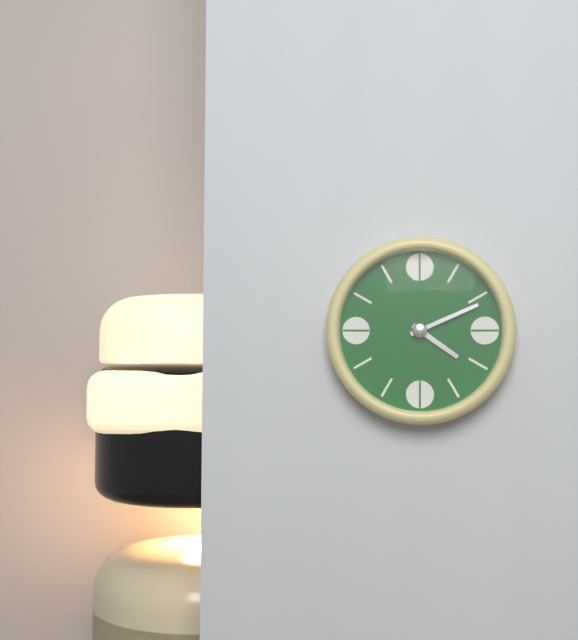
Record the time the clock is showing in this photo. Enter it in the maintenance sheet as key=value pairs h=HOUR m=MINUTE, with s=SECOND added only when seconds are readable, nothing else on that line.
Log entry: h=4 m=11
